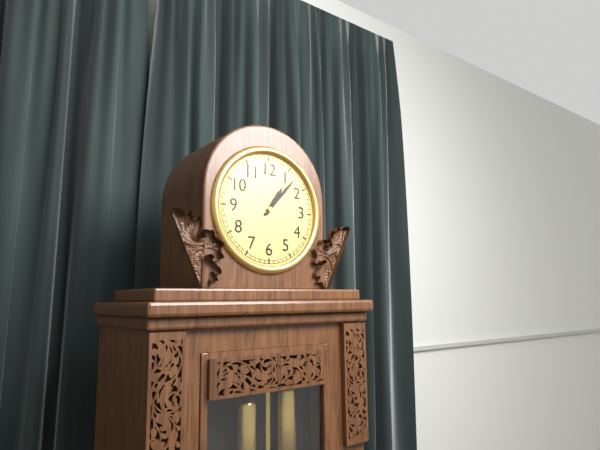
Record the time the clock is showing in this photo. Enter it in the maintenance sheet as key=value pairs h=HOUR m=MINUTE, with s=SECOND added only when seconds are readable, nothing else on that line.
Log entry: h=1 m=7
